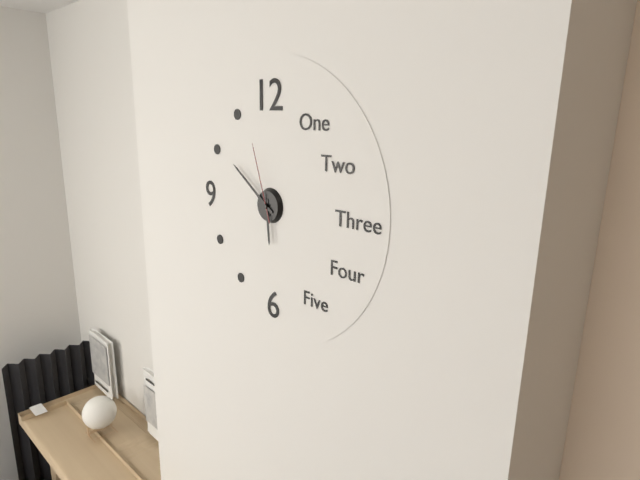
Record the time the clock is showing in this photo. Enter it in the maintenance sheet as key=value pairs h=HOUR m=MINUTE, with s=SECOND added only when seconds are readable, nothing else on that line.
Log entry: h=5 m=51 s=57
